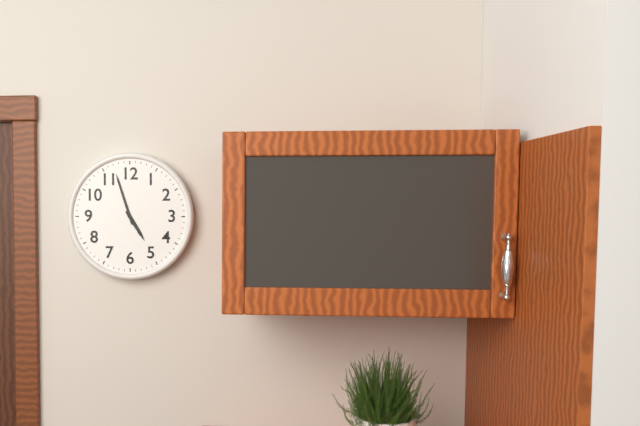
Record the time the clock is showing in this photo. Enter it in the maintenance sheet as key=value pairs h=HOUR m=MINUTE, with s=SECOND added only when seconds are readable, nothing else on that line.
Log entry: h=4 m=57
